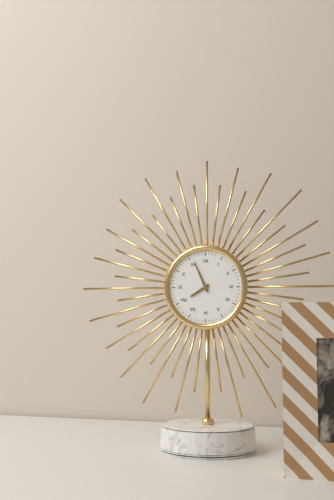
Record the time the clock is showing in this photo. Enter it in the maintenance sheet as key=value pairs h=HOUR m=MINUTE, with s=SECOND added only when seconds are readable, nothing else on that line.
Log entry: h=7 m=56
